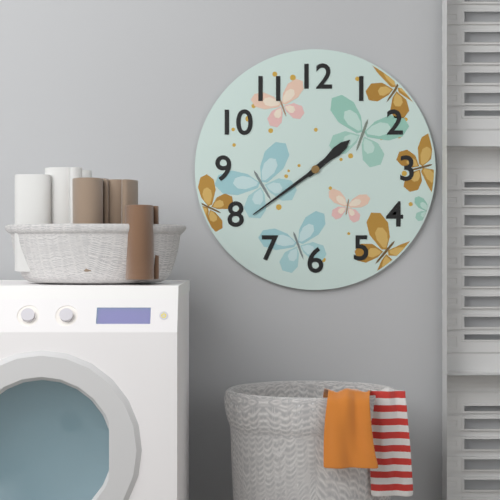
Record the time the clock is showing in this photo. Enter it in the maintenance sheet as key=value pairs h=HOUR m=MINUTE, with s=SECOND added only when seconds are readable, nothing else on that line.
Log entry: h=1 m=39
